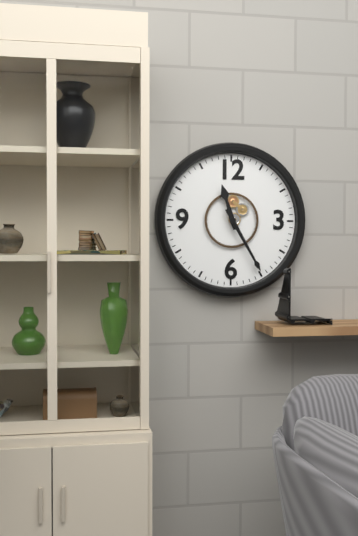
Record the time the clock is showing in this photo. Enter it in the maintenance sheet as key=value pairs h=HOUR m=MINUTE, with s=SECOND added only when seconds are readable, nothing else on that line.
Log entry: h=11 m=25
